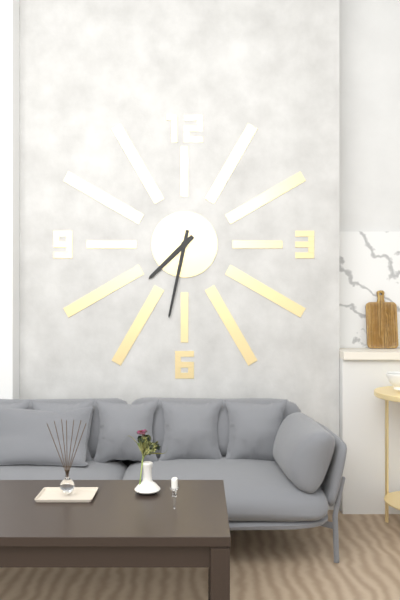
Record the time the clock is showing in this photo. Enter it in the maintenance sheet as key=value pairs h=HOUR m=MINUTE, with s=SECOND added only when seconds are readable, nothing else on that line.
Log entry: h=7 m=32
